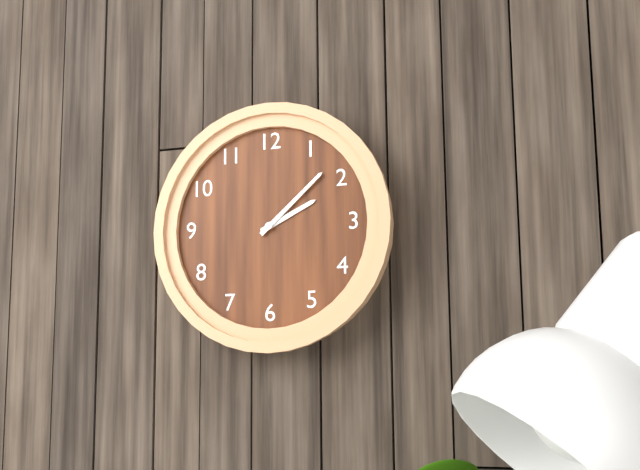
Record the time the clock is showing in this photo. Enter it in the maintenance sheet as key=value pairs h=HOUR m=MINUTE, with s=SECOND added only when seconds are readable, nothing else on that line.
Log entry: h=2 m=8
